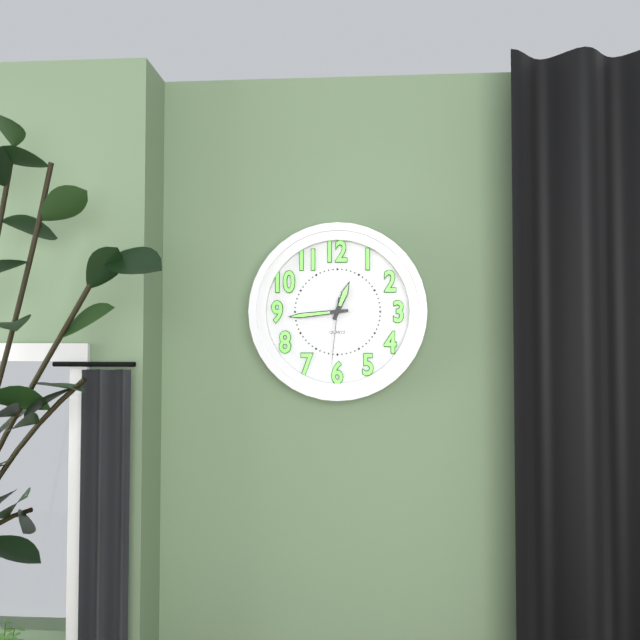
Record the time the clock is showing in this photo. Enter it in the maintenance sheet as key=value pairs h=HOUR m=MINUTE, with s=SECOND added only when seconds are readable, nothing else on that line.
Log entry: h=12 m=44 s=31
